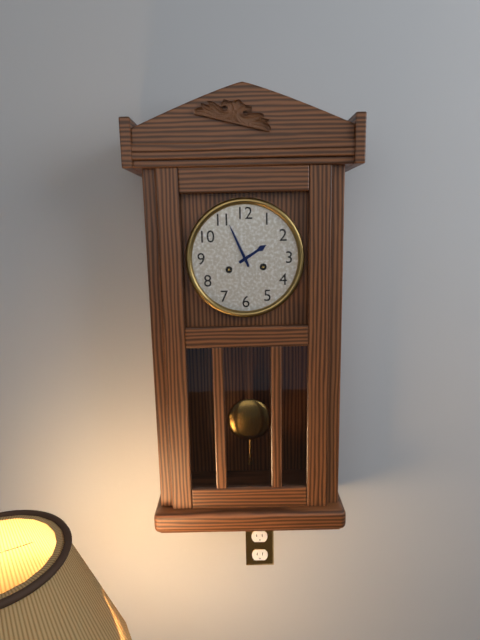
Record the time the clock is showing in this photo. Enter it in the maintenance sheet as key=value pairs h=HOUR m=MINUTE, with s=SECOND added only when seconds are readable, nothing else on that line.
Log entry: h=1 m=56
